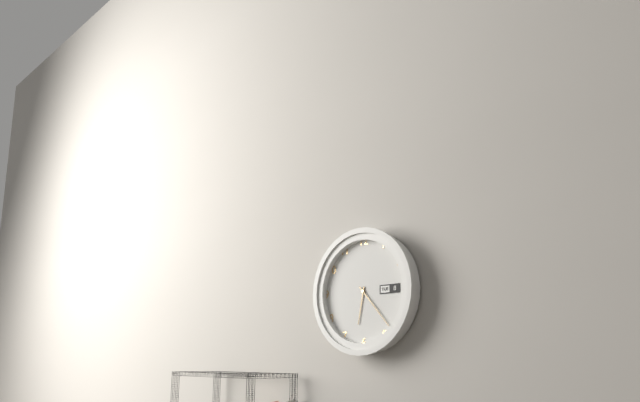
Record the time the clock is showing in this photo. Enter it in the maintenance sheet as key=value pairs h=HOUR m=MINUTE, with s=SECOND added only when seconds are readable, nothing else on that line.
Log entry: h=6 m=23
